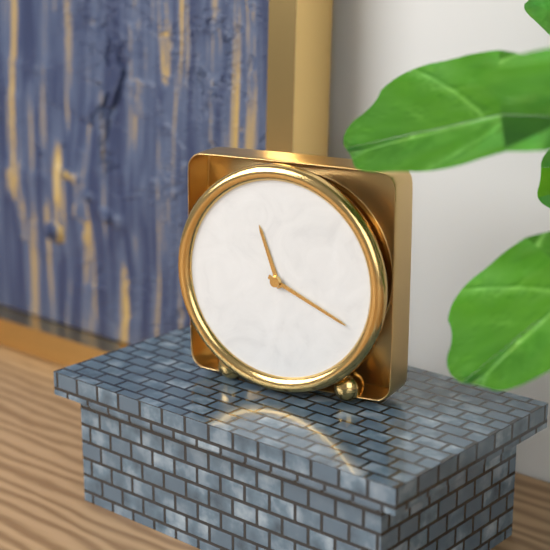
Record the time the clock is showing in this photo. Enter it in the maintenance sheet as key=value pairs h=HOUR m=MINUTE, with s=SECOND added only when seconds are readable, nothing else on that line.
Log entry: h=11 m=19
